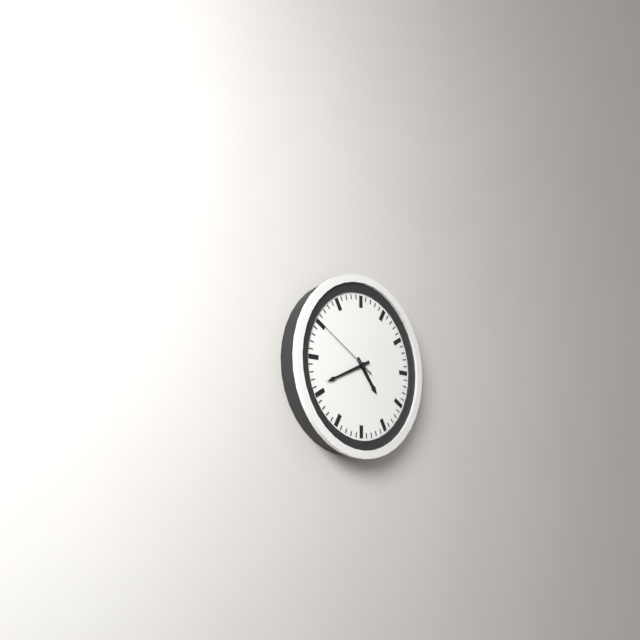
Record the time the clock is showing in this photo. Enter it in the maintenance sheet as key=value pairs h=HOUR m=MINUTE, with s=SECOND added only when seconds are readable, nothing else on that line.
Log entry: h=4 m=41 s=50
